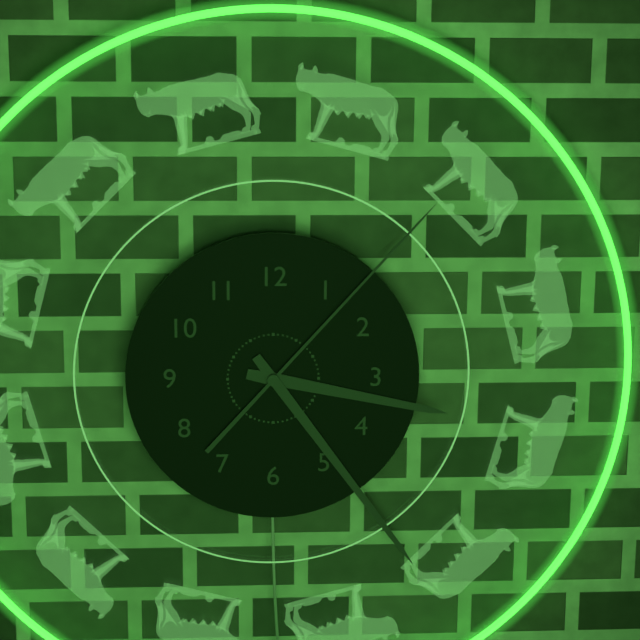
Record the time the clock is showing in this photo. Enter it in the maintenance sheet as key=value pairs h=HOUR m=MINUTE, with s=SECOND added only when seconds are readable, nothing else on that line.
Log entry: h=3 m=24 s=7
